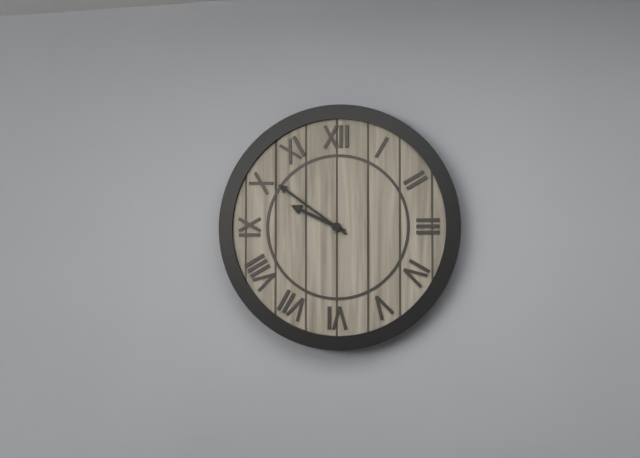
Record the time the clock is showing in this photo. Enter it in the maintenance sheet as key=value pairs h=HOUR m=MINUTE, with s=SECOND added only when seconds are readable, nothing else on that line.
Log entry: h=9 m=51
